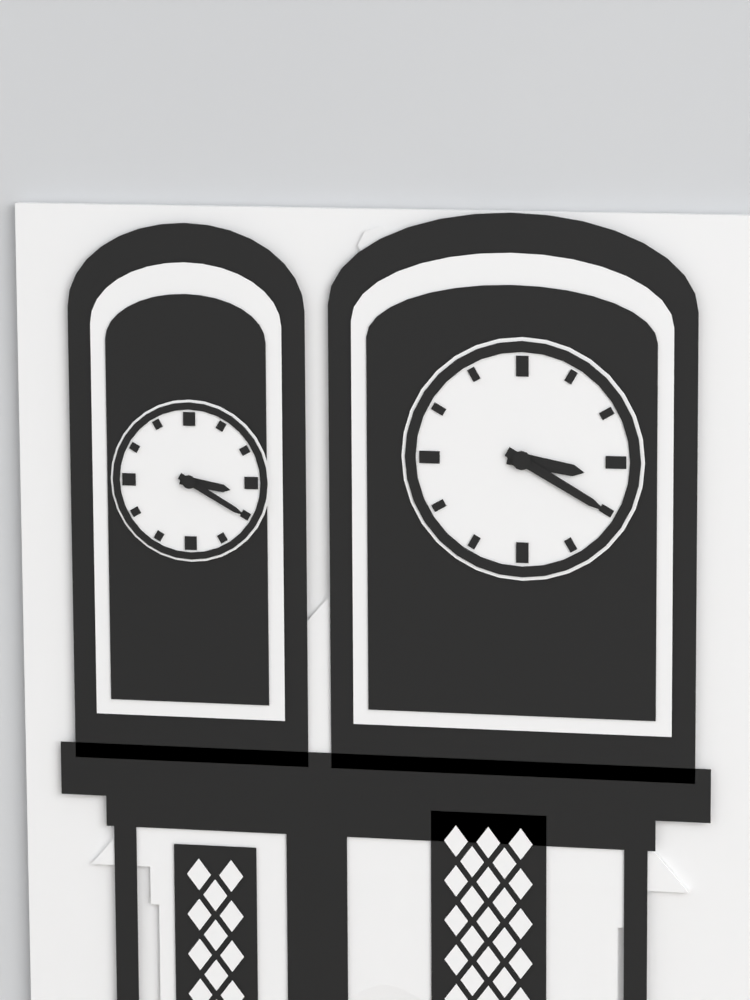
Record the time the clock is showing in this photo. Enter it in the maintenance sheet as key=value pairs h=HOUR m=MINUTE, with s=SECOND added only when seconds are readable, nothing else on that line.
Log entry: h=3 m=20
